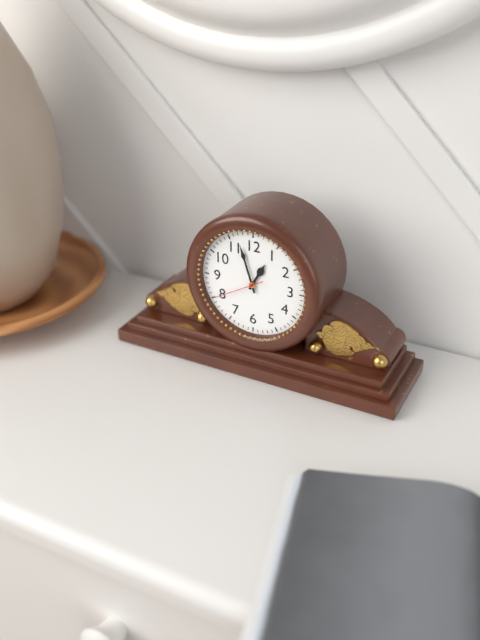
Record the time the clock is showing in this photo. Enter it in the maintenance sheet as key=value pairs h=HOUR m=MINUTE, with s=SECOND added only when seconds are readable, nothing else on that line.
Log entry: h=12 m=57 s=40
